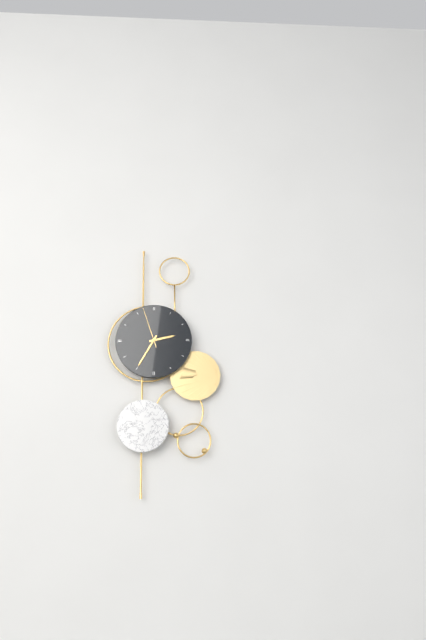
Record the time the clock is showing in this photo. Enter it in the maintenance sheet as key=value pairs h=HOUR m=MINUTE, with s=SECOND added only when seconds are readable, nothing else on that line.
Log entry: h=2 m=35
